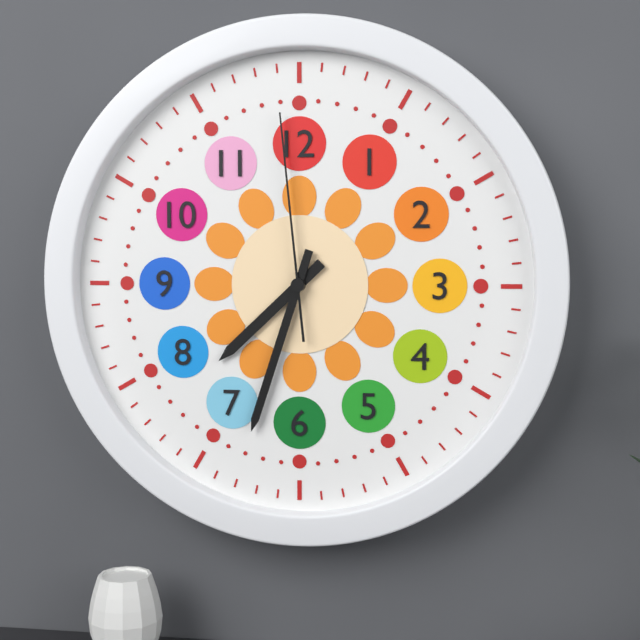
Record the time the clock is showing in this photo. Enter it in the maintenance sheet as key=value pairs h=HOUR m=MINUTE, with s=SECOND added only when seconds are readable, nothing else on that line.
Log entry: h=7 m=33 s=59
